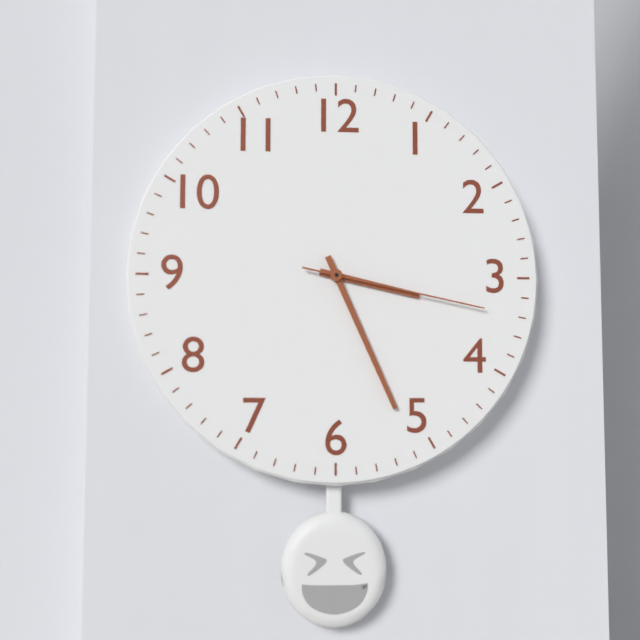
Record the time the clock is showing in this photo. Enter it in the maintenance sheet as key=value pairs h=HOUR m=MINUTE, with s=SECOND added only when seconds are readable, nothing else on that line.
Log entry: h=3 m=26 s=17
